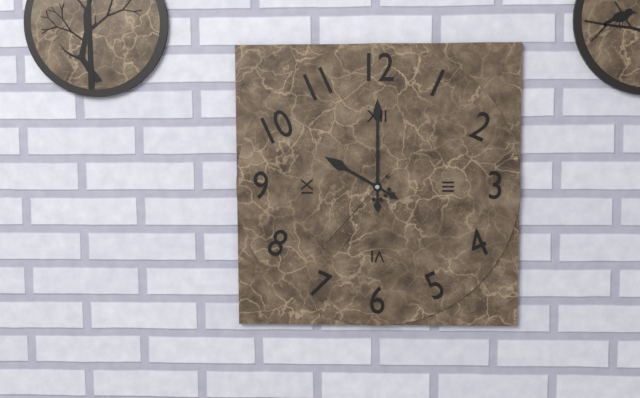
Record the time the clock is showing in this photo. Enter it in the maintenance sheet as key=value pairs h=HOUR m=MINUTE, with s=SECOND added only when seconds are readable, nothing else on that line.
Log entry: h=10 m=0 s=37
